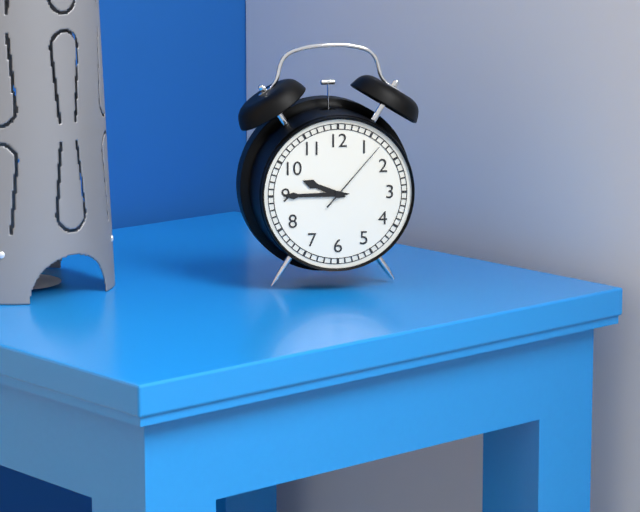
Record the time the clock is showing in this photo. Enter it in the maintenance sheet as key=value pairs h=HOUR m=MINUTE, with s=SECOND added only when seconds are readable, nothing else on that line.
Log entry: h=9 m=45 s=7
